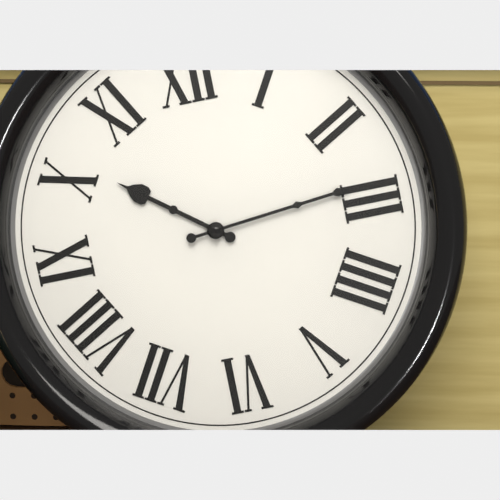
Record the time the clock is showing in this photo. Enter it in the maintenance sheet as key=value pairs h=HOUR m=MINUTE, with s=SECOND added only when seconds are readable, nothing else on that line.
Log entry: h=10 m=14
